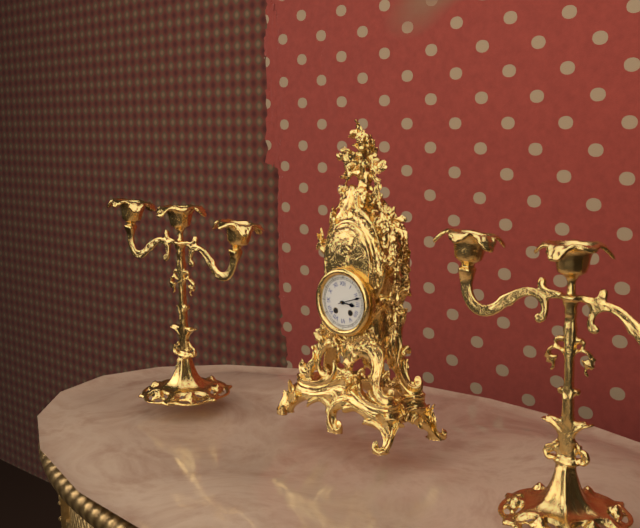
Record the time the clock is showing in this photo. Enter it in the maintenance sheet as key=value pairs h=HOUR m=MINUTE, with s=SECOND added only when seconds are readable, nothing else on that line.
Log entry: h=3 m=12
